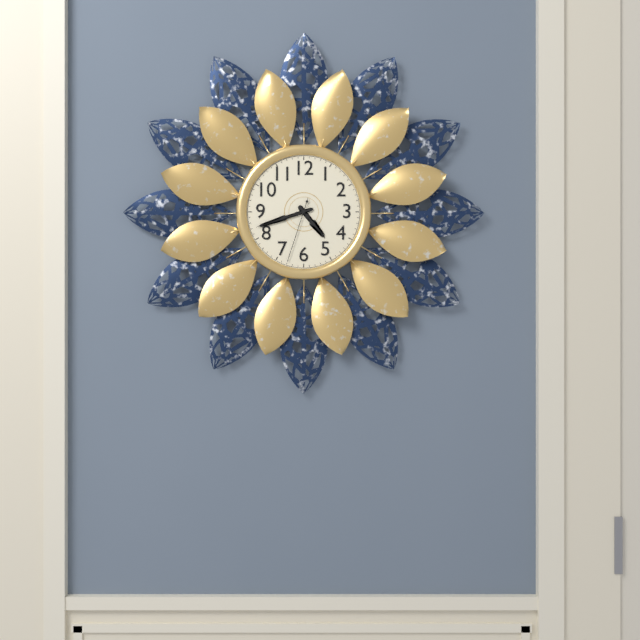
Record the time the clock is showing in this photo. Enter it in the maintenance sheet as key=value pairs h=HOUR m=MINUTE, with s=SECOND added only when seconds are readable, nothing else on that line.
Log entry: h=4 m=42 s=33
